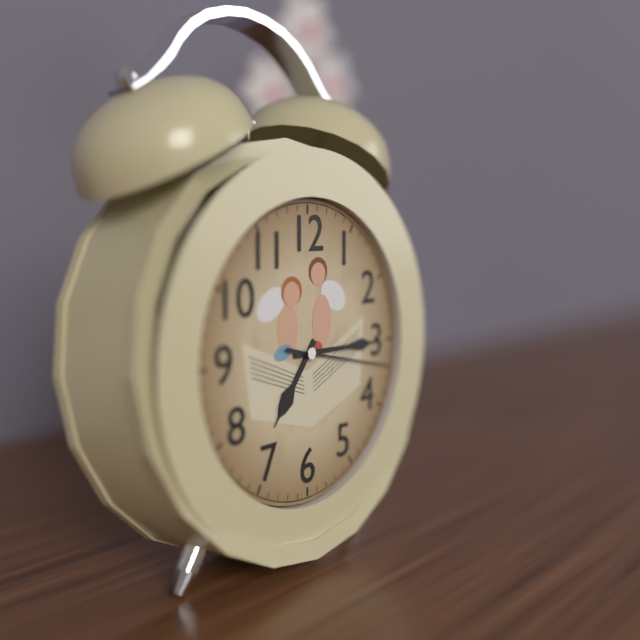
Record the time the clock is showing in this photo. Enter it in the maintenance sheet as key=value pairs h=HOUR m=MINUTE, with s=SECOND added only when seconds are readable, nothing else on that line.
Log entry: h=7 m=15 s=17
